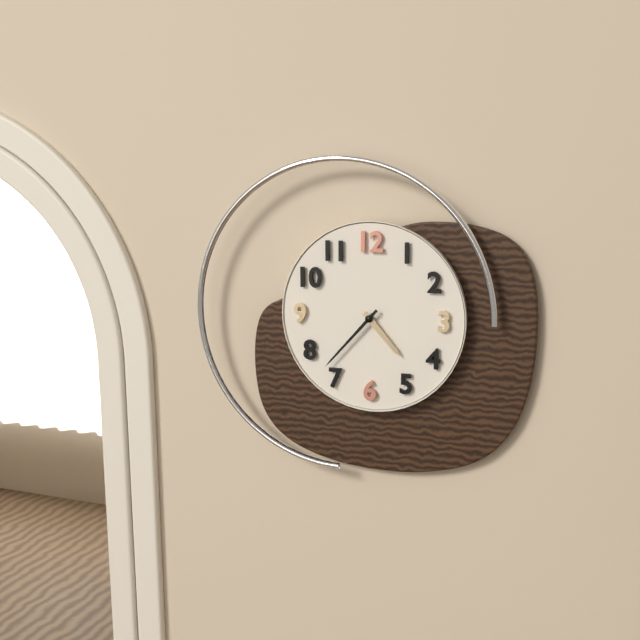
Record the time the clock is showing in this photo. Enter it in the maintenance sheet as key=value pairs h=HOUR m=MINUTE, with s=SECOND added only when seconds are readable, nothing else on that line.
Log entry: h=4 m=37
